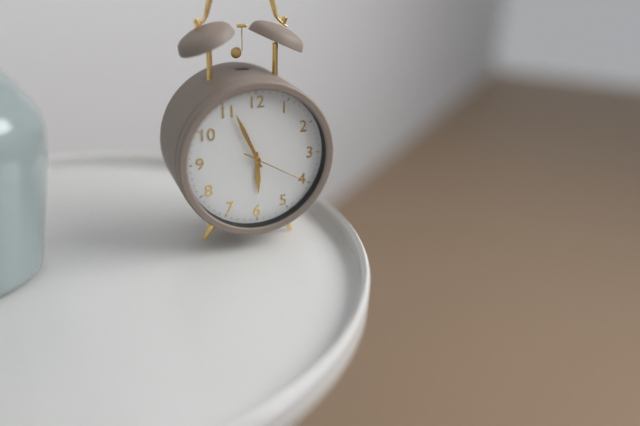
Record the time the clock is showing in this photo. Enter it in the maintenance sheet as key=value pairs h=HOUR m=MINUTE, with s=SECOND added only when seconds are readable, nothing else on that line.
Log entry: h=5 m=56 s=20
